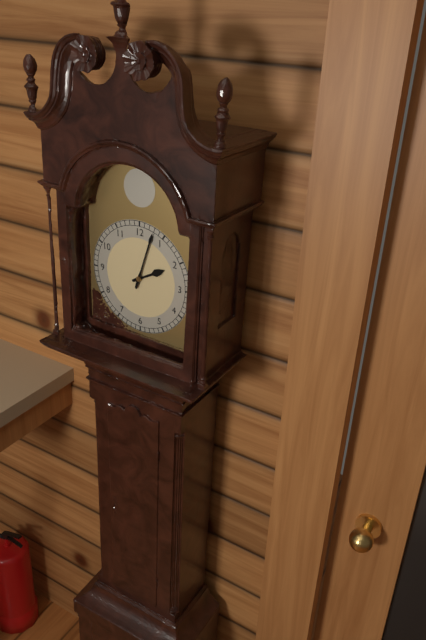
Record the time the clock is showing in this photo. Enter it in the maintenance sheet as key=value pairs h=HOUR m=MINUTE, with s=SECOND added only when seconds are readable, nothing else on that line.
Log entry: h=2 m=3
